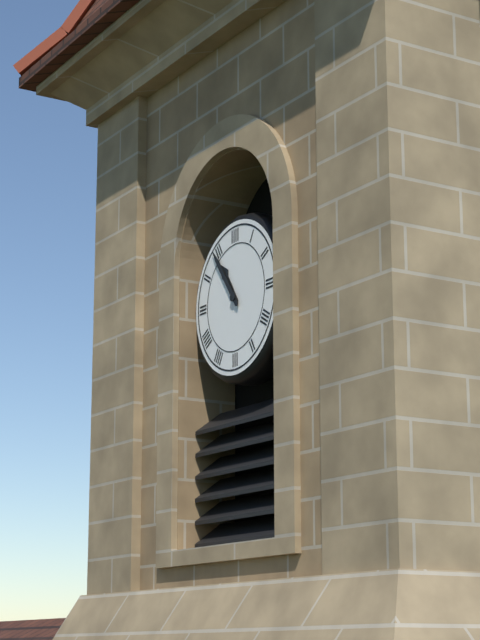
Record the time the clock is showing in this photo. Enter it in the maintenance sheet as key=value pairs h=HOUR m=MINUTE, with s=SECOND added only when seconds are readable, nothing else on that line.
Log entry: h=10 m=54
